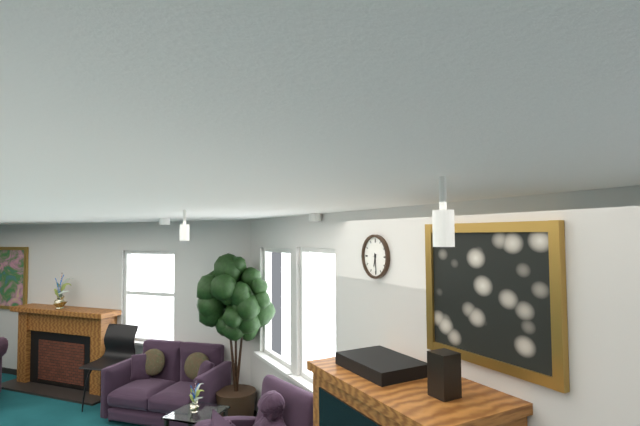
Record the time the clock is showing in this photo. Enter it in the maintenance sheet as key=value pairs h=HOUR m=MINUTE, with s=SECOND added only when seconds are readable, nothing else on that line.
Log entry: h=6 m=29
